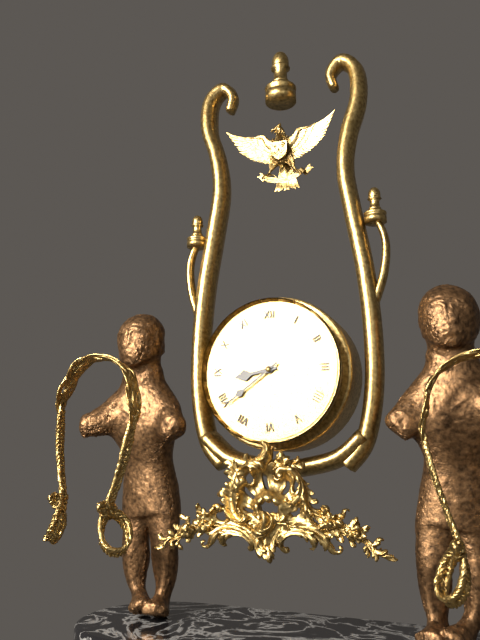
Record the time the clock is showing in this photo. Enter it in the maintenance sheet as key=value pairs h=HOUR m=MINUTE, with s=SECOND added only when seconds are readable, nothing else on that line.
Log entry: h=8 m=39
